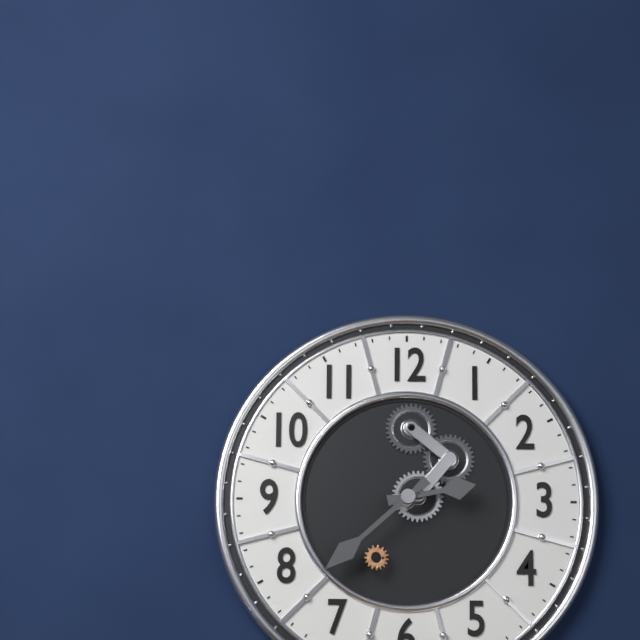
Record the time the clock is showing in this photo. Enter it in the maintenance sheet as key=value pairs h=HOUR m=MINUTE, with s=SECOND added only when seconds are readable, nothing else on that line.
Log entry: h=2 m=38
